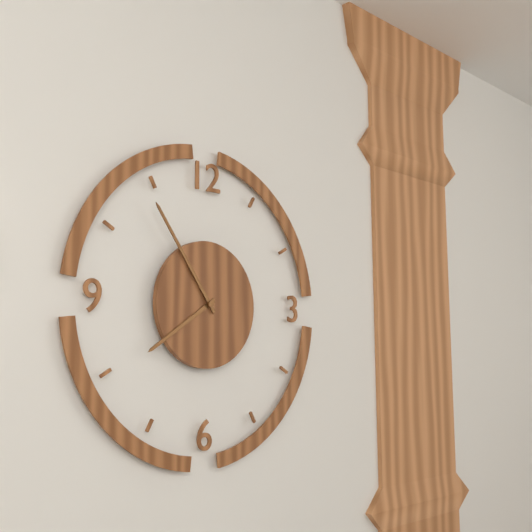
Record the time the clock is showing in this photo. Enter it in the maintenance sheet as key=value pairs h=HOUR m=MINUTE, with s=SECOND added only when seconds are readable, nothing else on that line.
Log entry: h=7 m=54
